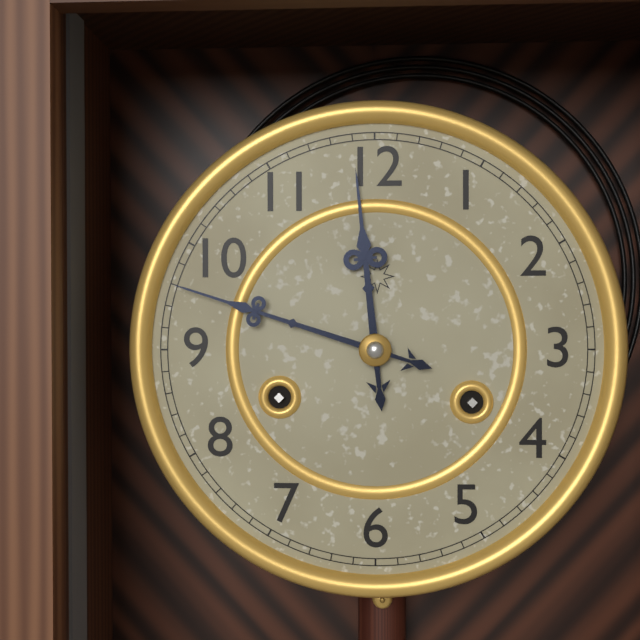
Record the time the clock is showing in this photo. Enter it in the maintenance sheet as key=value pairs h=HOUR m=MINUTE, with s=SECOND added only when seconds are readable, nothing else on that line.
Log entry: h=11 m=48
